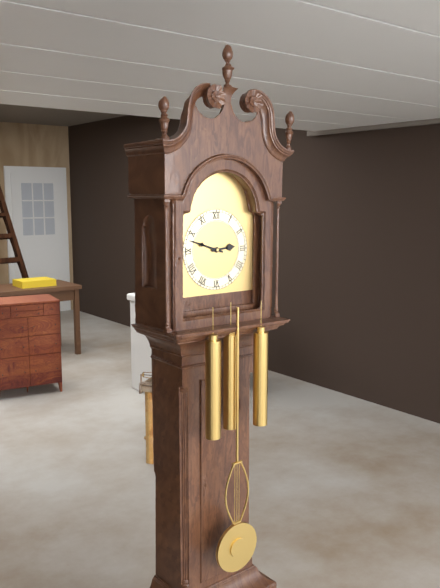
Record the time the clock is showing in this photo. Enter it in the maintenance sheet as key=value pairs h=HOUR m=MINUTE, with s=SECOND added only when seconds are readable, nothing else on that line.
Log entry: h=2 m=48
